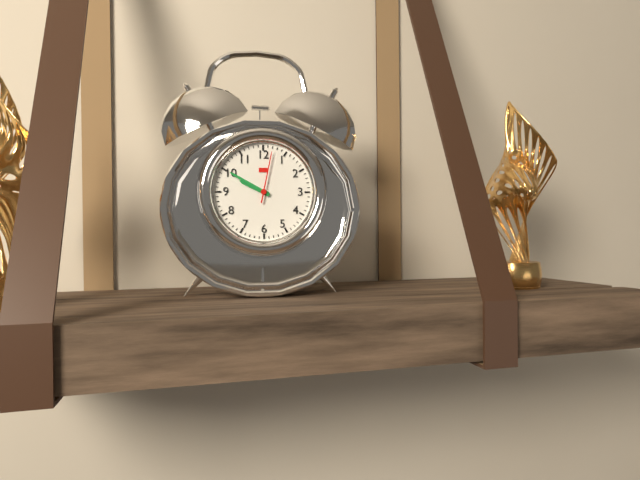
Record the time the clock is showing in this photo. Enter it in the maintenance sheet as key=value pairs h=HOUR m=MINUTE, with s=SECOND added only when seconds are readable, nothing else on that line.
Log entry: h=9 m=50 s=2
